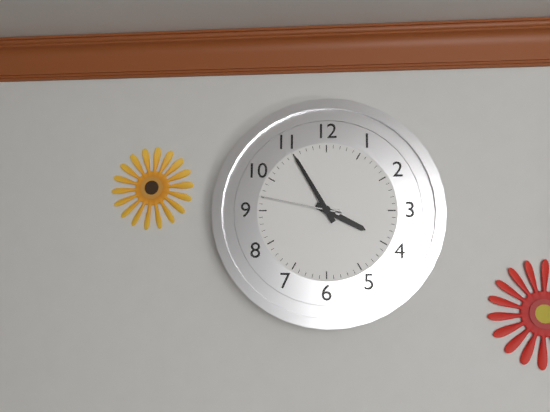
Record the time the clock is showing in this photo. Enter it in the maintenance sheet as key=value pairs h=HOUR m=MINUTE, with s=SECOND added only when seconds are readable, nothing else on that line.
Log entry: h=3 m=55 s=47
